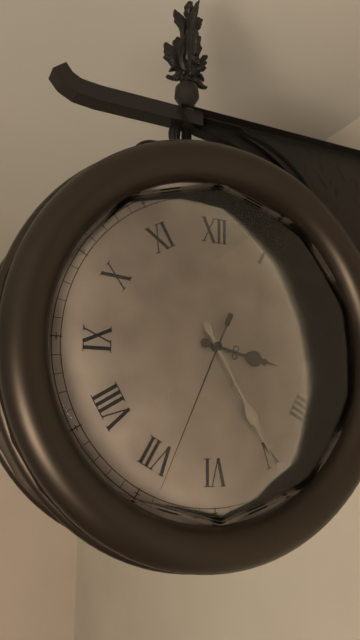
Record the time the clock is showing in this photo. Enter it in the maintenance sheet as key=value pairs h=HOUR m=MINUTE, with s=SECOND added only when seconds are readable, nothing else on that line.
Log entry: h=3 m=25 s=34
